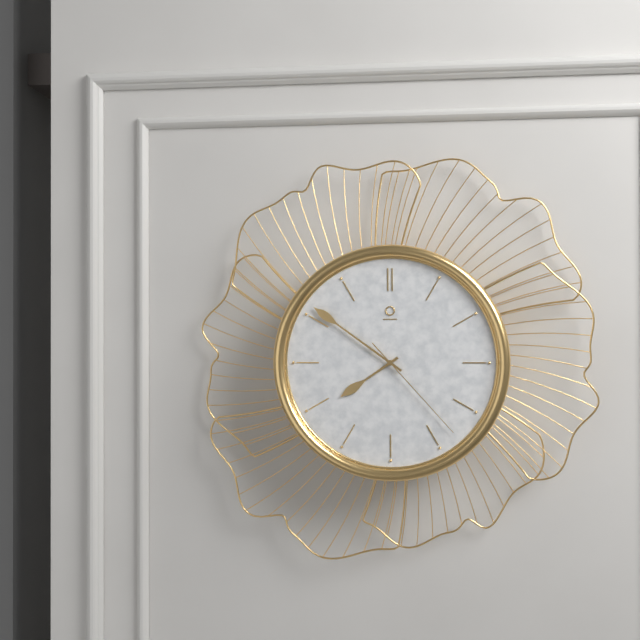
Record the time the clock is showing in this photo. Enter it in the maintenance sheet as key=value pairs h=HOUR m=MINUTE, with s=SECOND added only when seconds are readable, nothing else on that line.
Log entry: h=7 m=51 s=23
